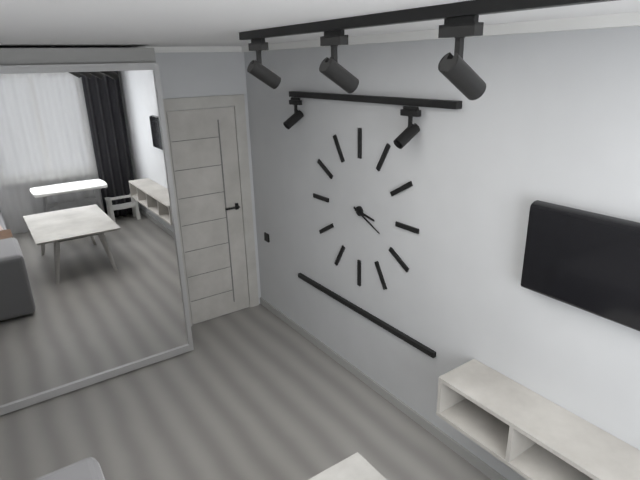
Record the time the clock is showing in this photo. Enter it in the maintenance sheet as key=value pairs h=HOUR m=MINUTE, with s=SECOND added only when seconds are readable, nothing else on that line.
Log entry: h=3 m=19
